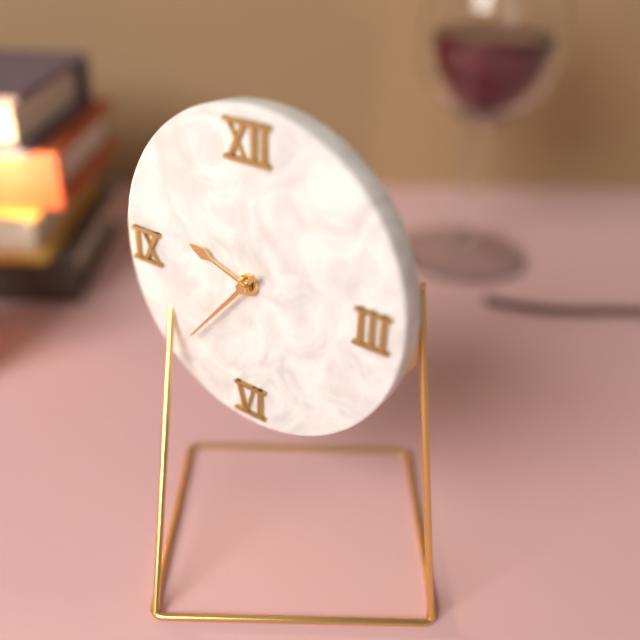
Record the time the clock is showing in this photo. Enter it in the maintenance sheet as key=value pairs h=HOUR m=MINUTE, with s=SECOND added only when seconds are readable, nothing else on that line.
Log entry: h=9 m=37
